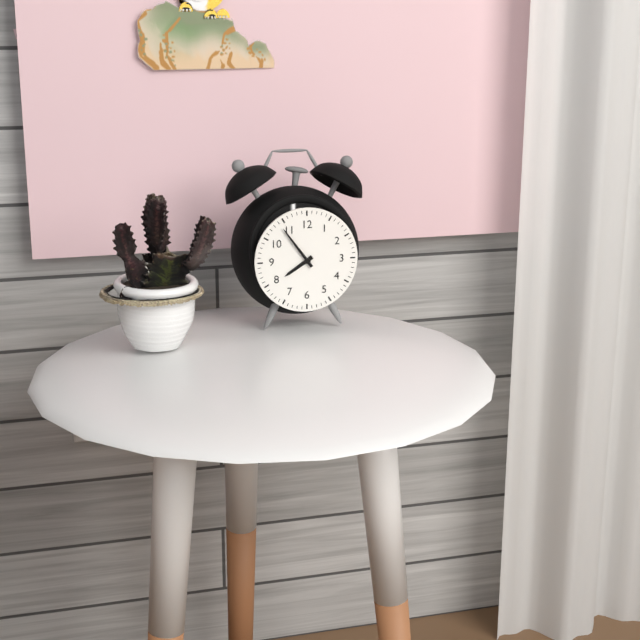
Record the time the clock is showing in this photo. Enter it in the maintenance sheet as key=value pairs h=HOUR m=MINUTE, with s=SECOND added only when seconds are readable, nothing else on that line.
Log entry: h=7 m=54
